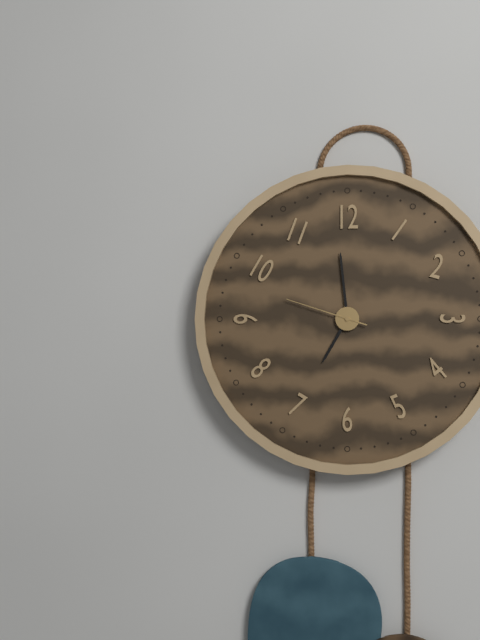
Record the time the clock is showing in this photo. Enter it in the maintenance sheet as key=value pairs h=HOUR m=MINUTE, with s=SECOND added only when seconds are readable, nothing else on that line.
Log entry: h=6 m=59 s=48
